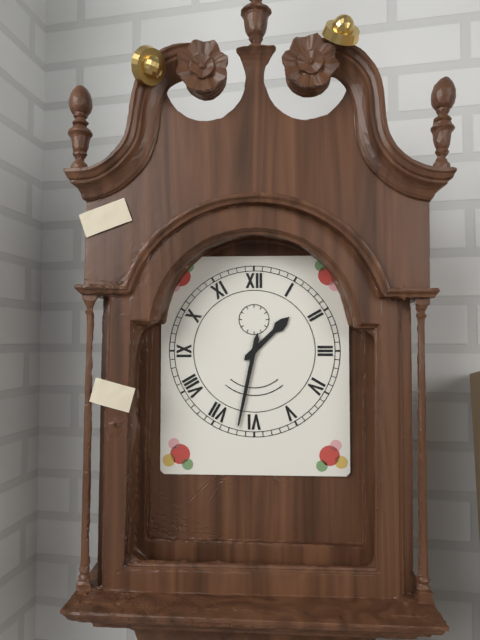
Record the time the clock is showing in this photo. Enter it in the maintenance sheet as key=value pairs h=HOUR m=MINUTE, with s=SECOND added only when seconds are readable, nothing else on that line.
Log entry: h=1 m=32
